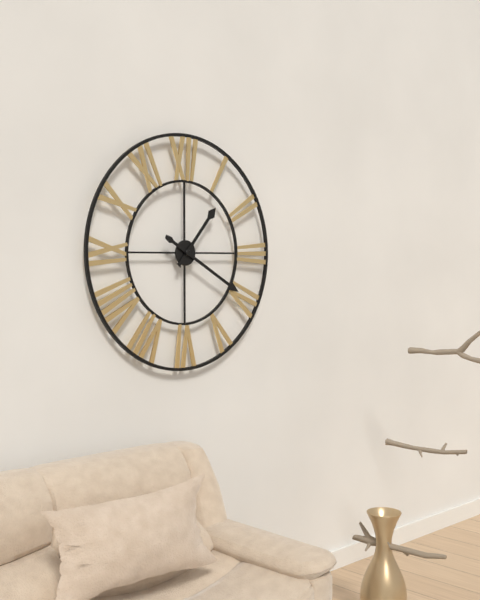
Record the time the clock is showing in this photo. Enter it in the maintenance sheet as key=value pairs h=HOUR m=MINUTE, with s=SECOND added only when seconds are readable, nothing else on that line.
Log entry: h=1 m=20
